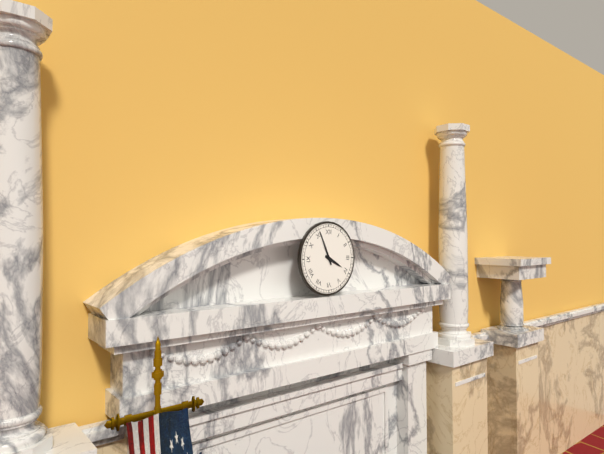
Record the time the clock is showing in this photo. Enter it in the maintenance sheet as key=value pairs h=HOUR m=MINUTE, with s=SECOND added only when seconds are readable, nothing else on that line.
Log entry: h=3 m=56
